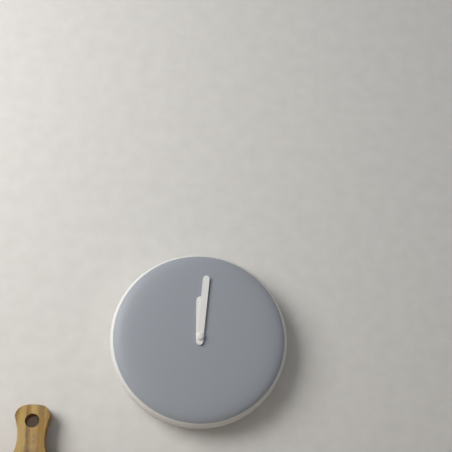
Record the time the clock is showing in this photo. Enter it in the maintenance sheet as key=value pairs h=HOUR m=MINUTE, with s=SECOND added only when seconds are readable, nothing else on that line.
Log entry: h=12 m=1
